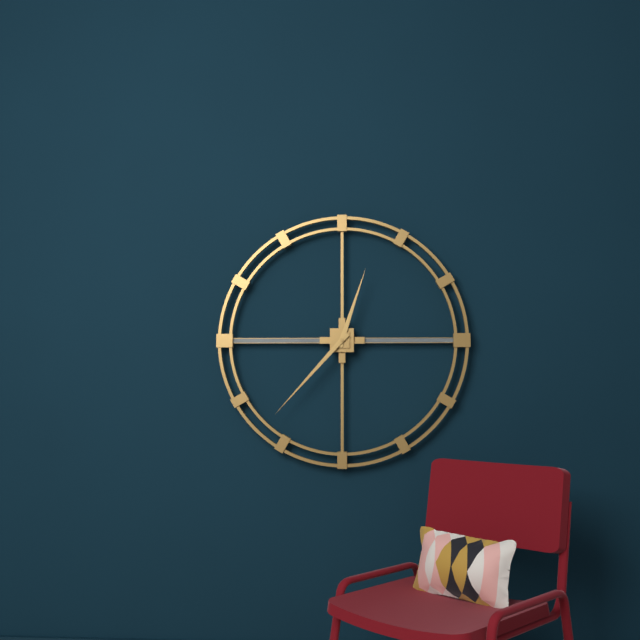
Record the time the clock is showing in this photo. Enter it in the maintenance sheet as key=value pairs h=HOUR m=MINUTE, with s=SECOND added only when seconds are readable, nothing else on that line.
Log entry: h=12 m=37
